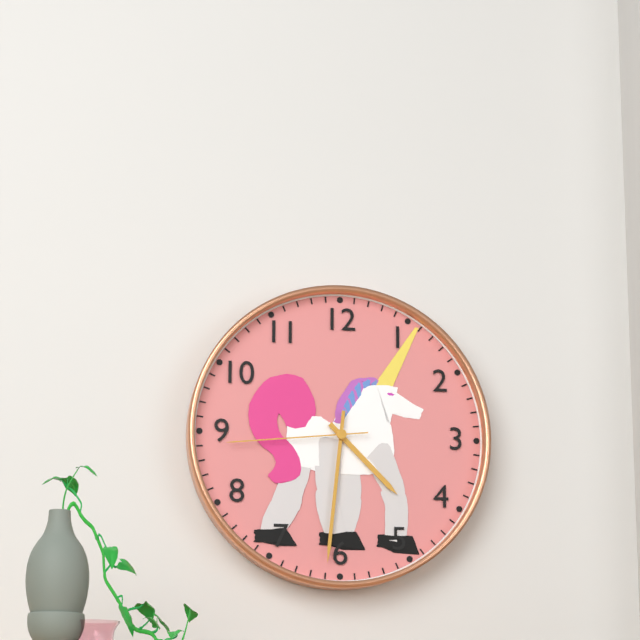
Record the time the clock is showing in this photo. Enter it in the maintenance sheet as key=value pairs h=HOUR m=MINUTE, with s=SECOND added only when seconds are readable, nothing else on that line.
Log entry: h=4 m=31 s=44
